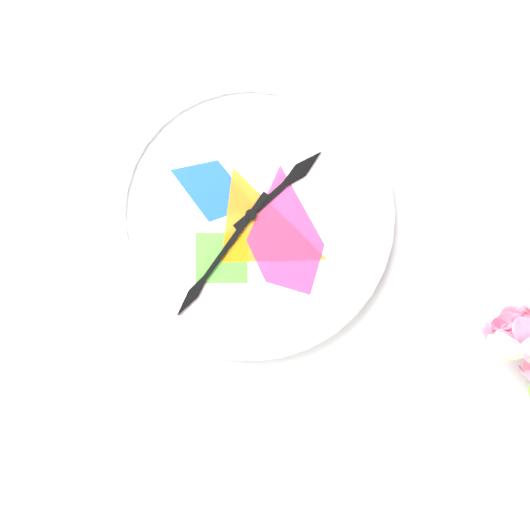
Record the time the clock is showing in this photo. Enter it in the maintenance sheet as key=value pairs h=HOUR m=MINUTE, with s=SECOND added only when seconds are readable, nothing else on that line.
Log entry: h=1 m=36
